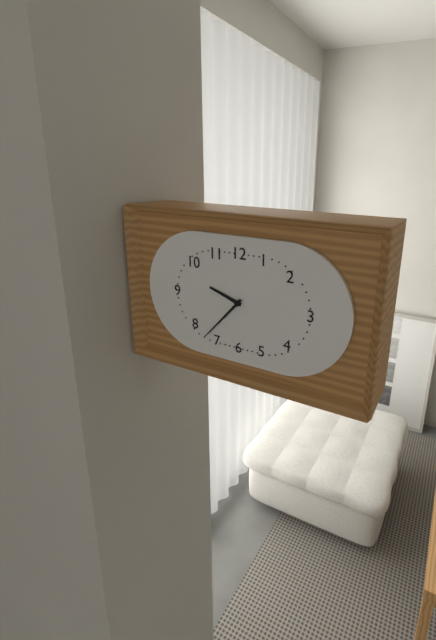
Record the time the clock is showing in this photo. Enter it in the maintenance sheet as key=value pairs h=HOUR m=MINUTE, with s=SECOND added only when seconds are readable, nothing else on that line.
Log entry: h=9 m=37
